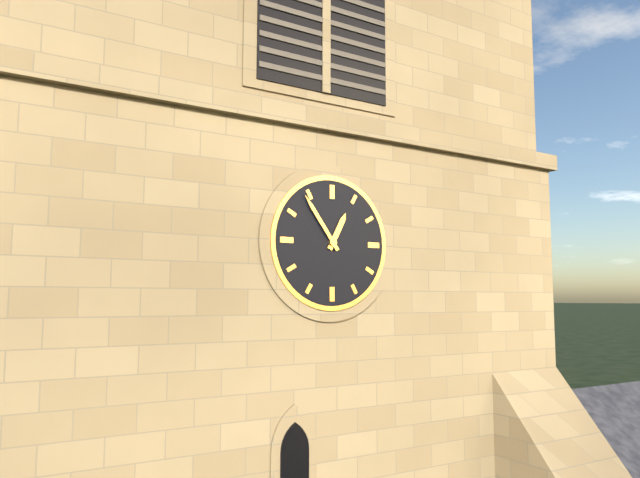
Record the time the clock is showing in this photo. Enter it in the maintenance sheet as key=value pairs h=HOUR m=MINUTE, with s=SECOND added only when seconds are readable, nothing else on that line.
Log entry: h=12 m=54
